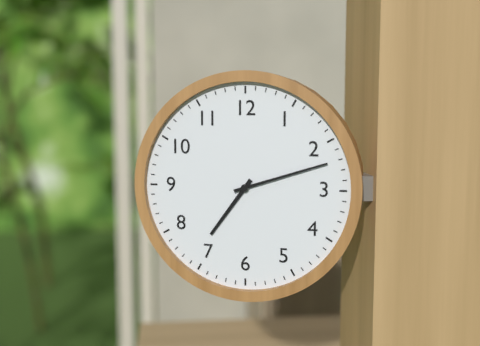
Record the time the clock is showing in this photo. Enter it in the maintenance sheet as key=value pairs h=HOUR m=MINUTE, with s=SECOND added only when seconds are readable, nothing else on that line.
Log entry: h=7 m=12
